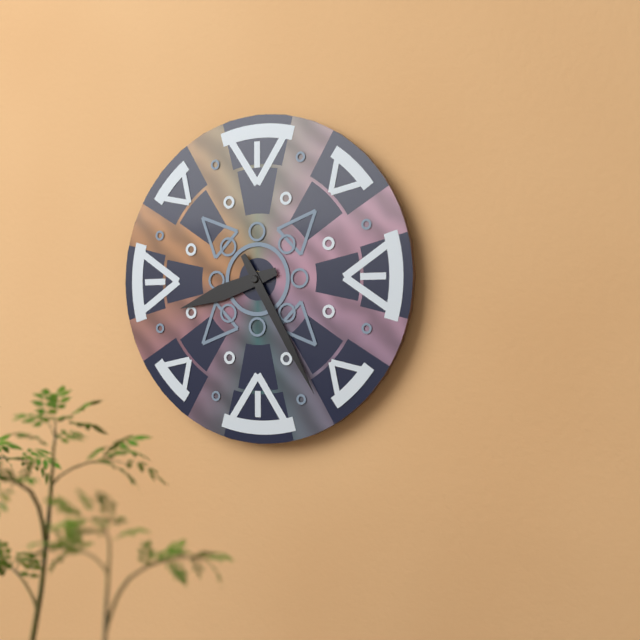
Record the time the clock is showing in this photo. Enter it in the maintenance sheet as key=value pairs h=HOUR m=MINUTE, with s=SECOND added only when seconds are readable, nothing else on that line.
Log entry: h=8 m=25
